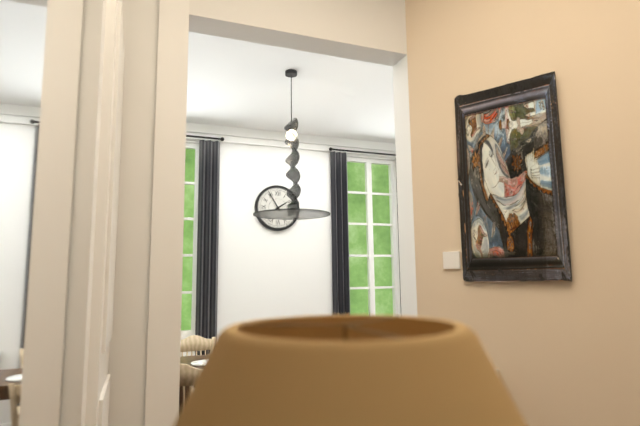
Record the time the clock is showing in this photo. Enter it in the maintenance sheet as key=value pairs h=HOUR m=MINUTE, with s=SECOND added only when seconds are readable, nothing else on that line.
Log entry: h=1 m=55
